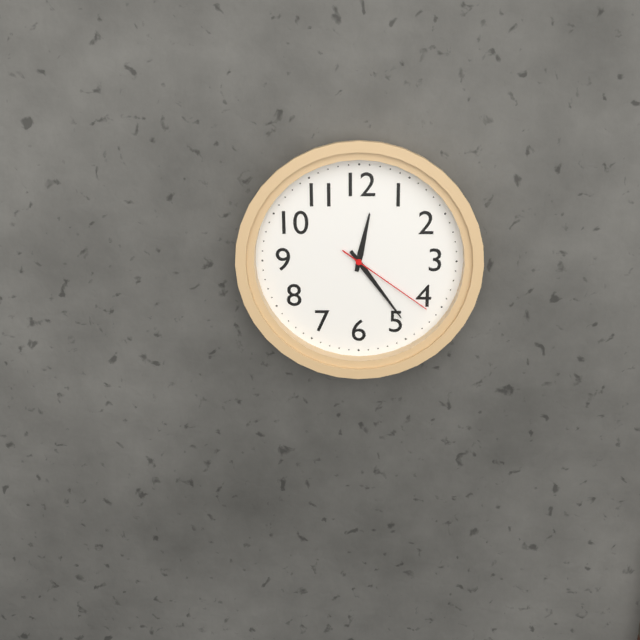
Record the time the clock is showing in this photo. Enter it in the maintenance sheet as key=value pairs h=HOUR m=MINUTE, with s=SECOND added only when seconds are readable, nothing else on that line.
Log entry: h=12 m=24 s=21
